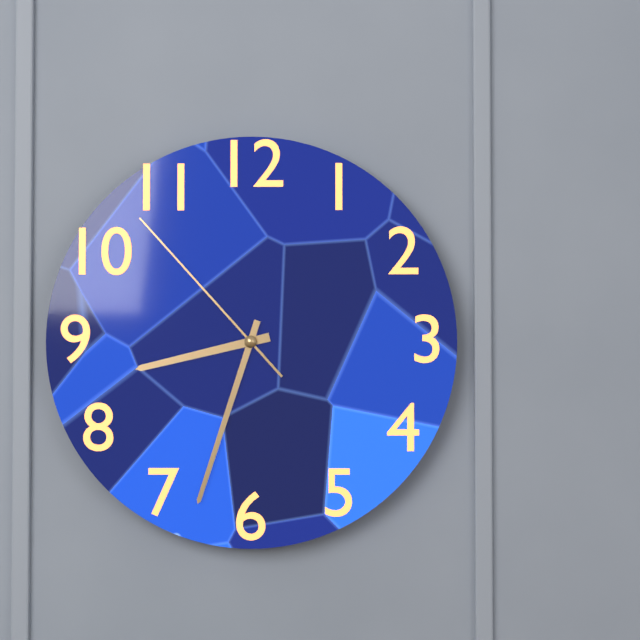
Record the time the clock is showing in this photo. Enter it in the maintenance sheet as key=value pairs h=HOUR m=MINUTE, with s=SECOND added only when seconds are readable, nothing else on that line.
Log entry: h=8 m=33 s=53
